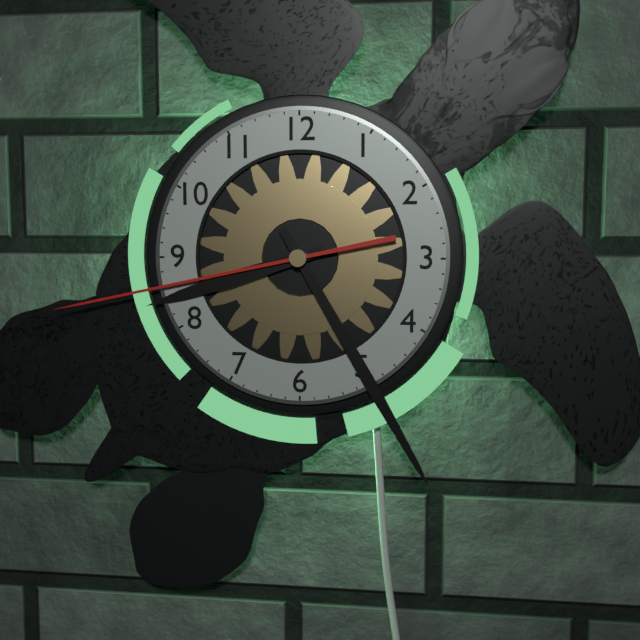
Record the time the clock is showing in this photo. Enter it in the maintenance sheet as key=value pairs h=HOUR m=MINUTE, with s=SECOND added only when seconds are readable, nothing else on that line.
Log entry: h=8 m=25 s=43
